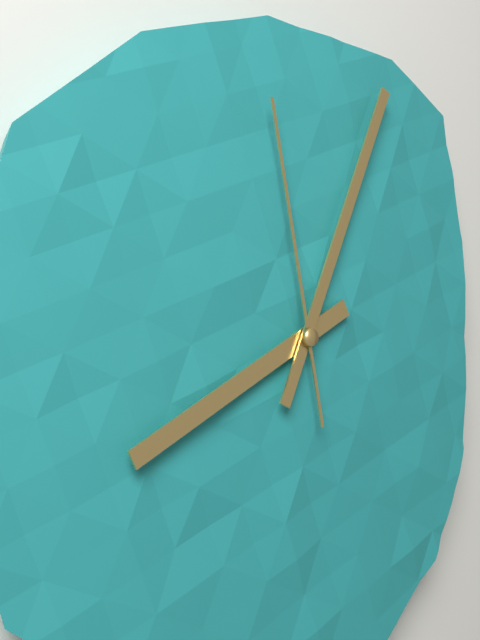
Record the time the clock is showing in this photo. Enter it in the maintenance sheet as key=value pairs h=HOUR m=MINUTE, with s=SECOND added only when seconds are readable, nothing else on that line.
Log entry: h=8 m=4 s=58
